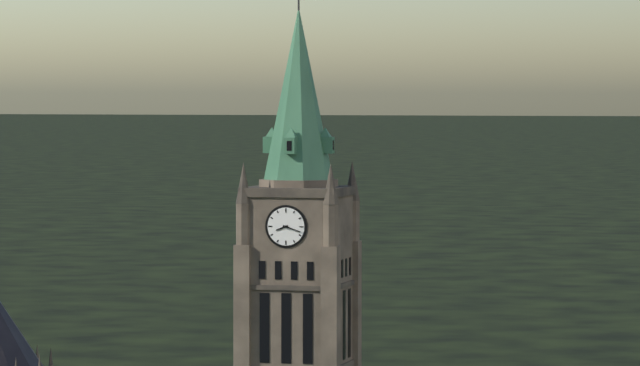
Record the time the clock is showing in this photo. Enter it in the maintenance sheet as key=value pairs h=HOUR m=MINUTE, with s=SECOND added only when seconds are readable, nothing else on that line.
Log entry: h=8 m=18
